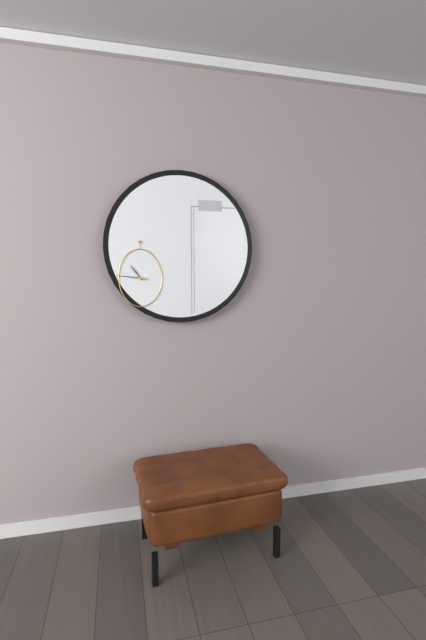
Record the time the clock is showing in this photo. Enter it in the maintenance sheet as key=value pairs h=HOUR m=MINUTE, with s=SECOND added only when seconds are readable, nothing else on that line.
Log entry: h=10 m=46
